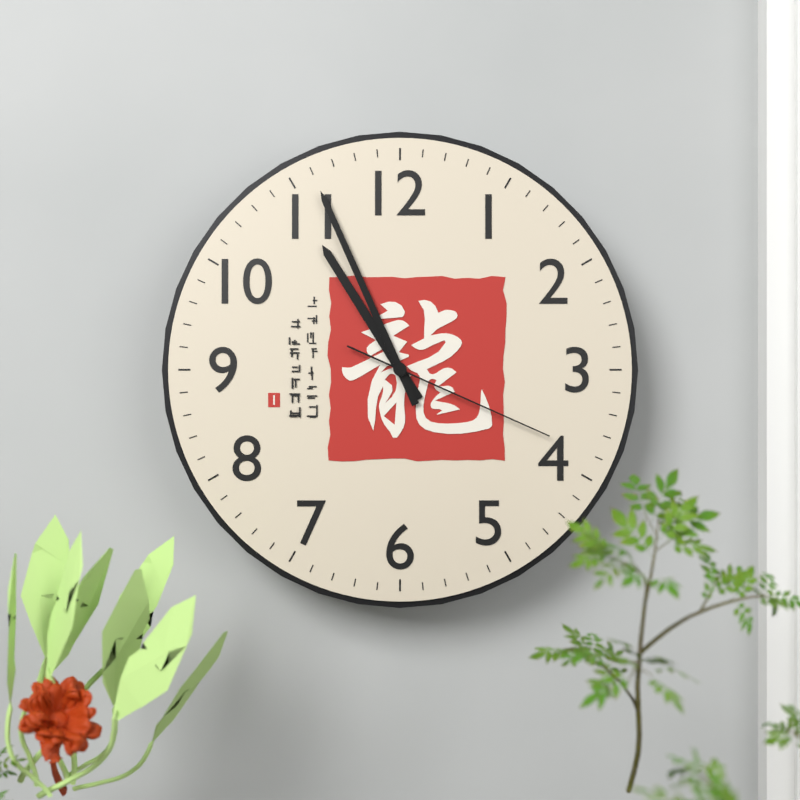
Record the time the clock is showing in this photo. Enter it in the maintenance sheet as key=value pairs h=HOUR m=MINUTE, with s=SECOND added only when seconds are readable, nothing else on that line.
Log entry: h=10 m=56 s=19
